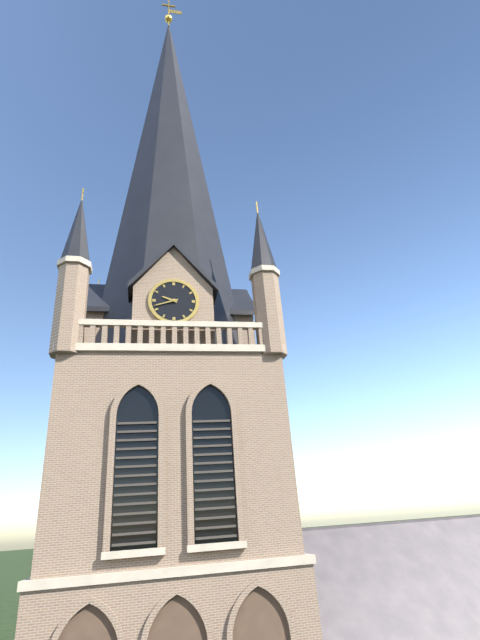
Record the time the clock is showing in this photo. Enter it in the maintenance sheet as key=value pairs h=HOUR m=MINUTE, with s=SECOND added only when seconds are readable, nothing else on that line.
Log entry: h=9 m=42
